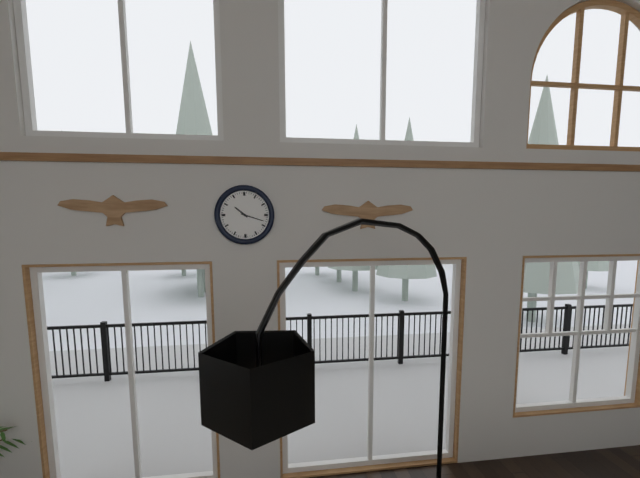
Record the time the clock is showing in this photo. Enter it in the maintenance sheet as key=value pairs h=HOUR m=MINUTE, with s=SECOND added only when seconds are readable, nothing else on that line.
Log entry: h=10 m=18
